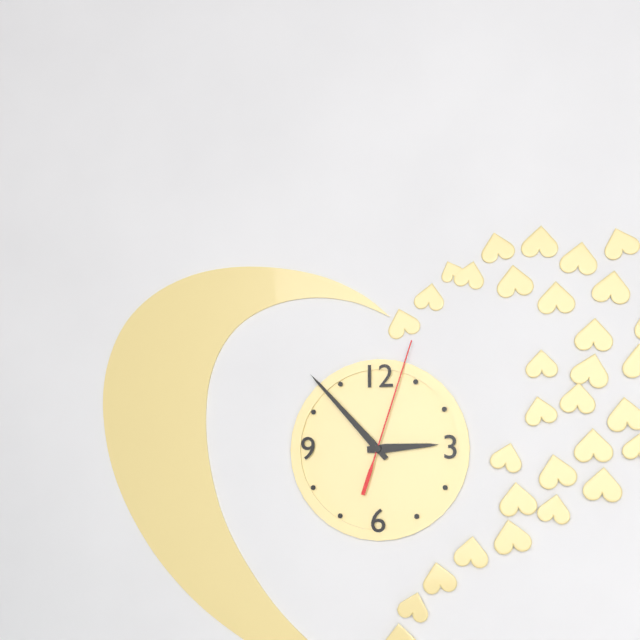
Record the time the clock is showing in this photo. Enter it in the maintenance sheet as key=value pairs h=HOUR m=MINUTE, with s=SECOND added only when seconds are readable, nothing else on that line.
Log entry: h=2 m=53 s=3
